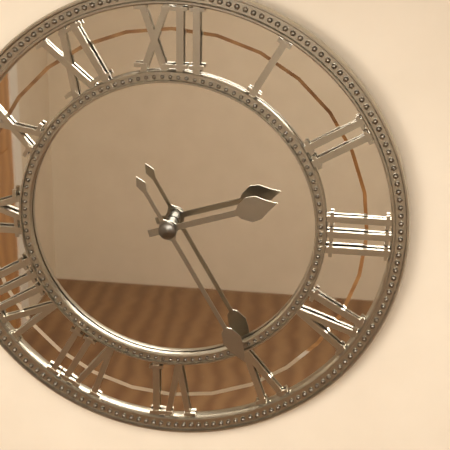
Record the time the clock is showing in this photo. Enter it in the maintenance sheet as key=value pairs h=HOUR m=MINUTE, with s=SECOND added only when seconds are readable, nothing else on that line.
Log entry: h=2 m=25
